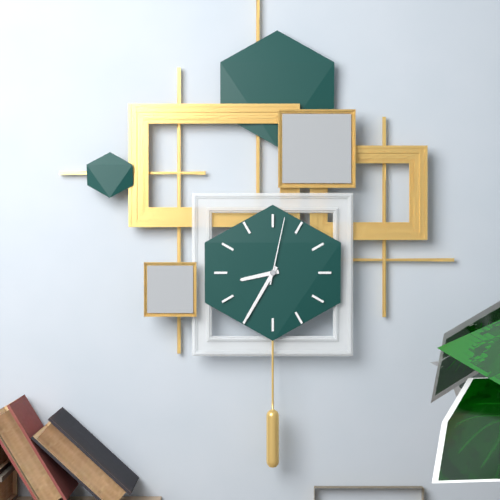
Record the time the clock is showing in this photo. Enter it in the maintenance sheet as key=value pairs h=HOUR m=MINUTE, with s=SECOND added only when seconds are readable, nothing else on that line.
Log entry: h=8 m=35 s=2
